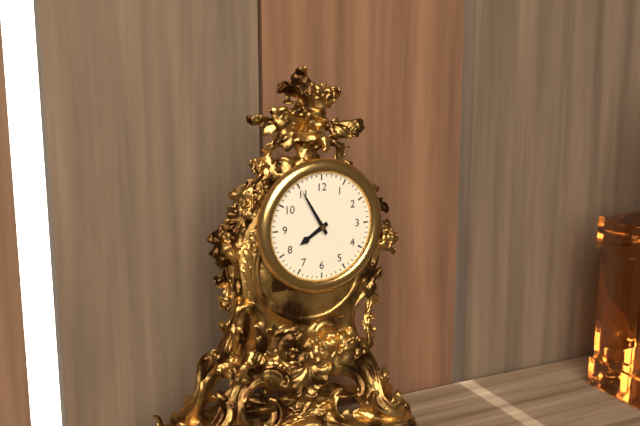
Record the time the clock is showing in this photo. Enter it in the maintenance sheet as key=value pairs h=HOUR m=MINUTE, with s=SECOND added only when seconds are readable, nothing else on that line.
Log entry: h=7 m=55
